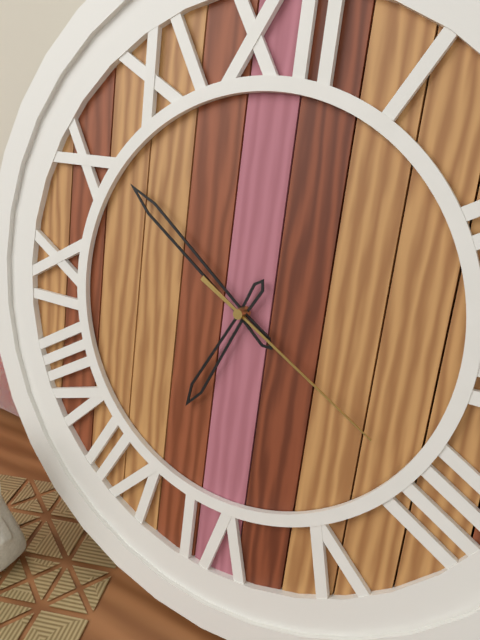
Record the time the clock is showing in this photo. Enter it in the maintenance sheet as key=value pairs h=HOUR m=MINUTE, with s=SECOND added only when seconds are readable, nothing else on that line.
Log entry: h=6 m=51 s=20
